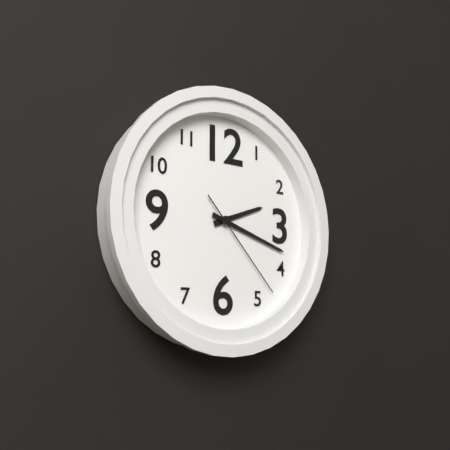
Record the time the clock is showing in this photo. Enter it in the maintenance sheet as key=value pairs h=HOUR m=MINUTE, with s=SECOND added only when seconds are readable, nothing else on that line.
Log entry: h=2 m=18 s=23
